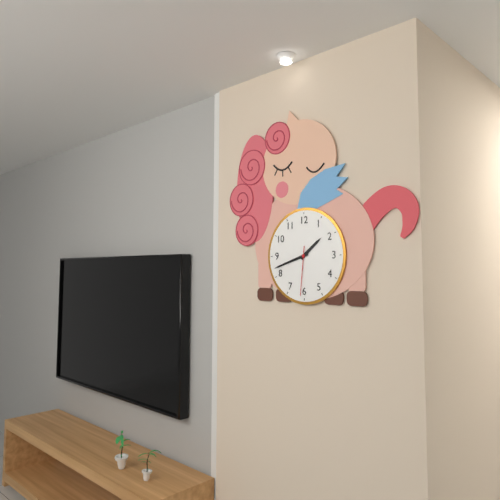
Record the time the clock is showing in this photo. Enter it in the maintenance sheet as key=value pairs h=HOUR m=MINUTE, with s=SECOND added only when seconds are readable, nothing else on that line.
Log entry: h=1 m=42 s=31
